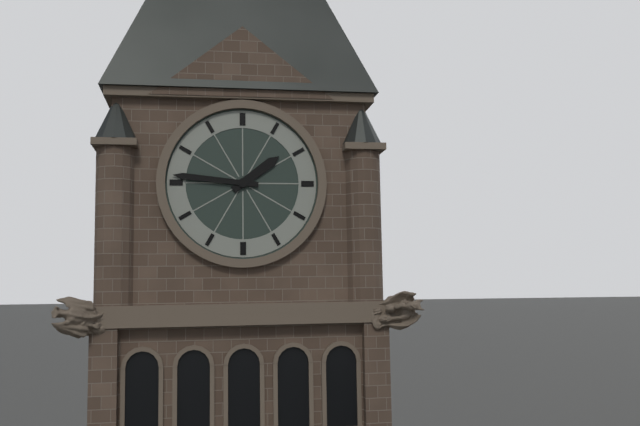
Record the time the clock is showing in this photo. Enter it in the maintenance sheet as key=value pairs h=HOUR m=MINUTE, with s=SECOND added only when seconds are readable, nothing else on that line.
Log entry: h=1 m=46
